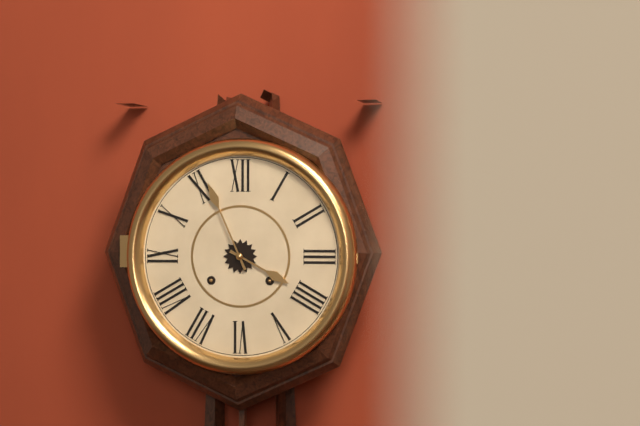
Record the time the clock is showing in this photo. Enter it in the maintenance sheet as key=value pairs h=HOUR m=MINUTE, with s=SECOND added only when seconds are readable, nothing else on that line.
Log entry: h=3 m=56
